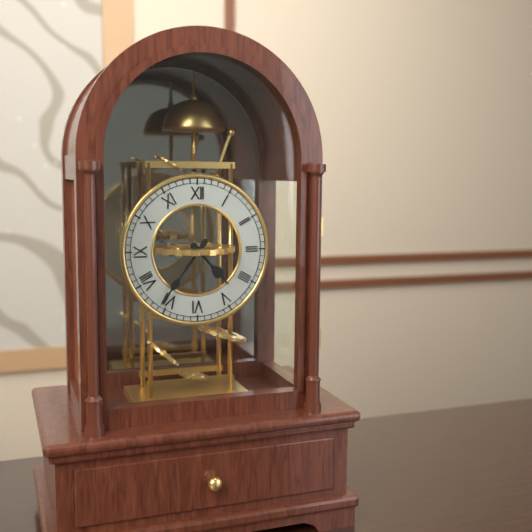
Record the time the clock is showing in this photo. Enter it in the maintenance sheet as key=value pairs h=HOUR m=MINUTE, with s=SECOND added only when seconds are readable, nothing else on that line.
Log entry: h=4 m=36
